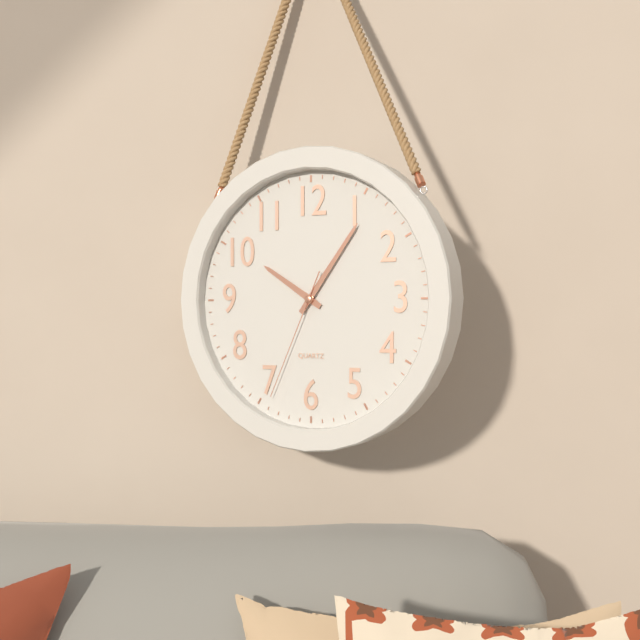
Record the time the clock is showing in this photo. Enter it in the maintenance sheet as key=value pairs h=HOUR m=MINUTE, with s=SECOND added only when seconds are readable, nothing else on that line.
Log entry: h=10 m=6 s=34
